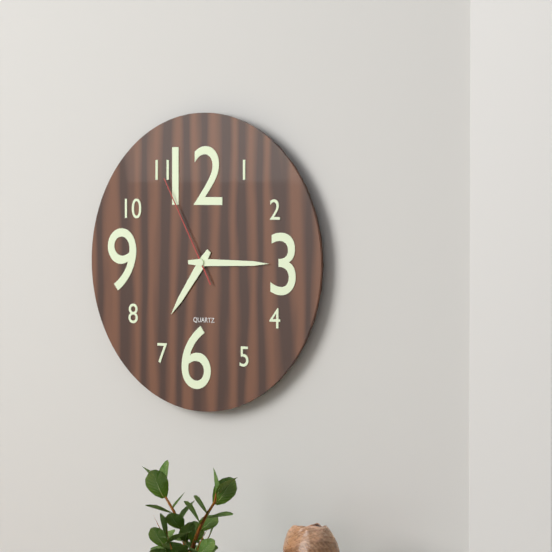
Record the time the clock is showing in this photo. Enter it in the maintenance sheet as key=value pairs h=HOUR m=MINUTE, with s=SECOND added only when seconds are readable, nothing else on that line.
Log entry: h=7 m=15 s=55
